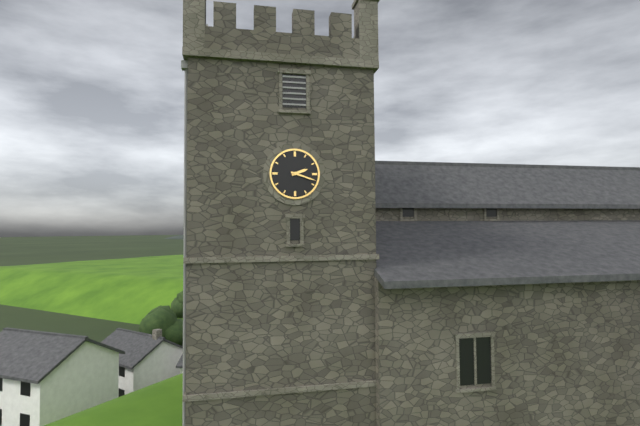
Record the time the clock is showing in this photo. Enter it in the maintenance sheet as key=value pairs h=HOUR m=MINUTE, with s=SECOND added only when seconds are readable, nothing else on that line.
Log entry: h=2 m=18
